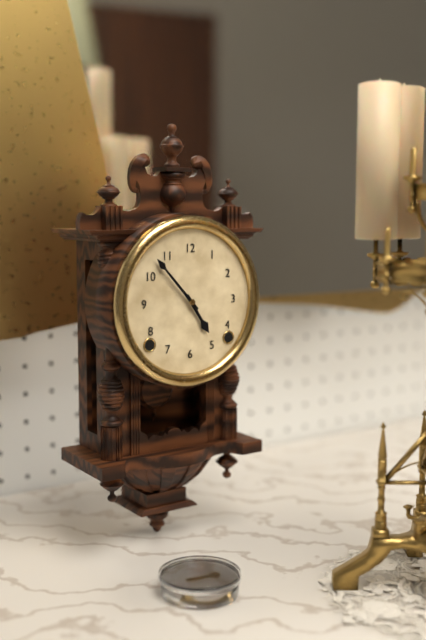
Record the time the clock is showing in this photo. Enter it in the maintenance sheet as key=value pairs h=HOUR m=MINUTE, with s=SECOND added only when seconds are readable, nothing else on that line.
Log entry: h=4 m=53
